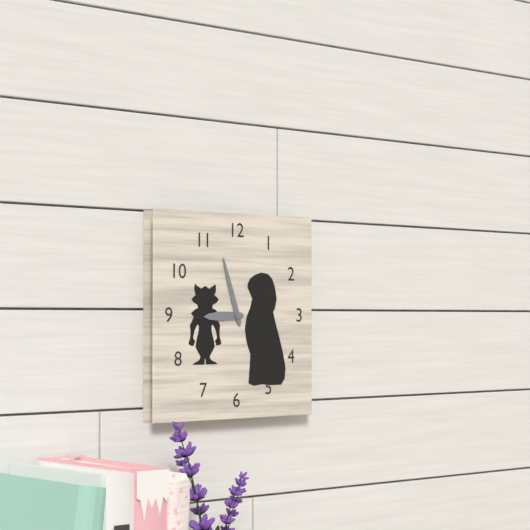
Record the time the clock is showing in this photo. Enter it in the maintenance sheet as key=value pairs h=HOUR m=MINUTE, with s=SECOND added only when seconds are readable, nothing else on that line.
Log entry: h=8 m=57
